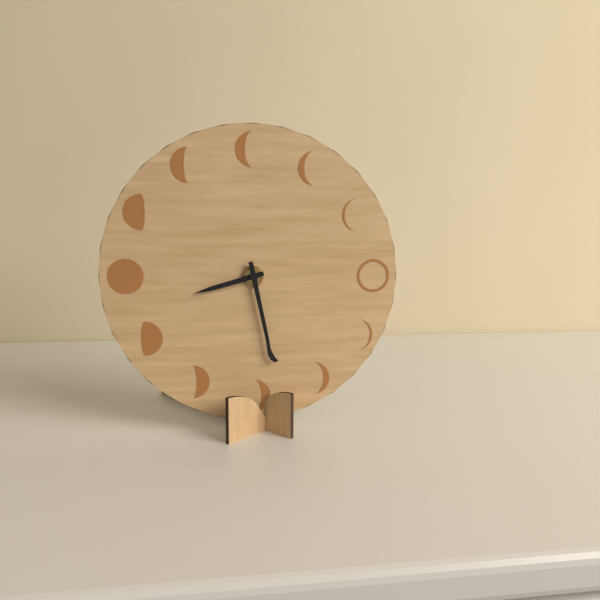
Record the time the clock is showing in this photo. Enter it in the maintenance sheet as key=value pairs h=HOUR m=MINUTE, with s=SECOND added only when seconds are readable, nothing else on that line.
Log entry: h=8 m=28
